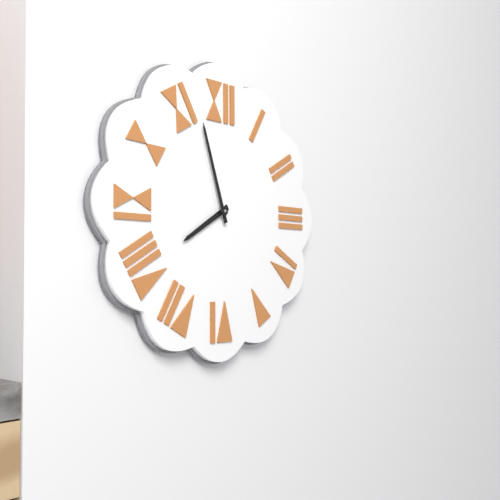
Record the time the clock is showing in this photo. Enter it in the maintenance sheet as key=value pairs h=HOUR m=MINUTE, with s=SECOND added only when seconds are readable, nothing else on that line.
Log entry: h=7 m=57
